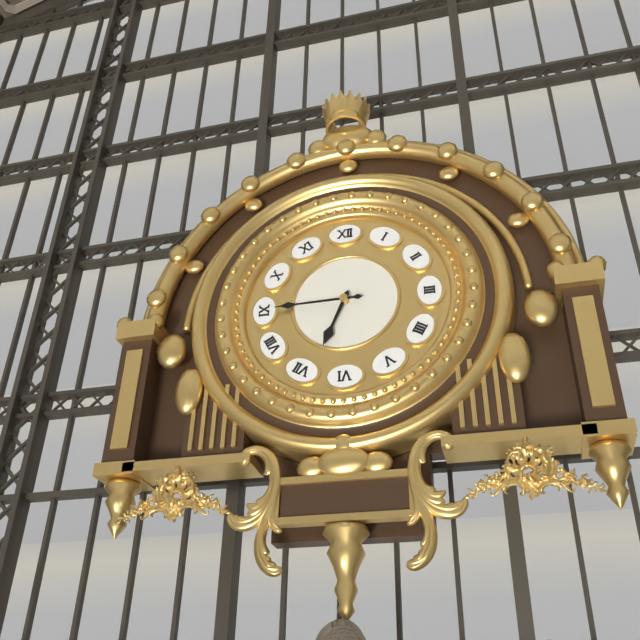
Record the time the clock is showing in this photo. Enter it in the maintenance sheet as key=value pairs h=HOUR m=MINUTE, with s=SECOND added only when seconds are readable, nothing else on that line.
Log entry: h=6 m=45
